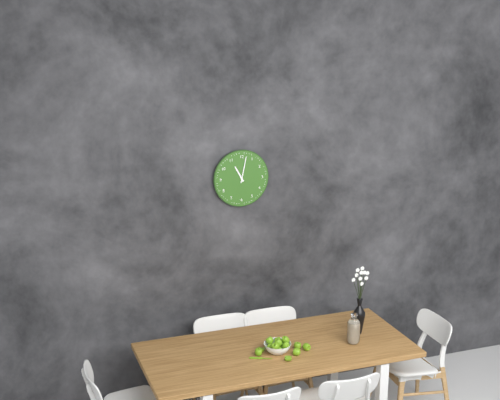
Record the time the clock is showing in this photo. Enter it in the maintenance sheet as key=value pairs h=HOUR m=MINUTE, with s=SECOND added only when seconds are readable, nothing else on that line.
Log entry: h=11 m=2
